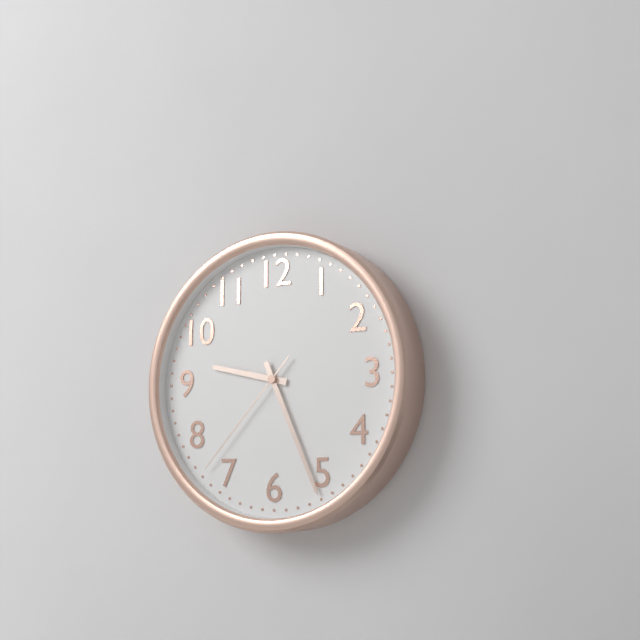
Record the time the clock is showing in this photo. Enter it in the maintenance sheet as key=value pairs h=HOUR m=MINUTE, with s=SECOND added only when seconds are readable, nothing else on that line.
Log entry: h=9 m=26 s=37
